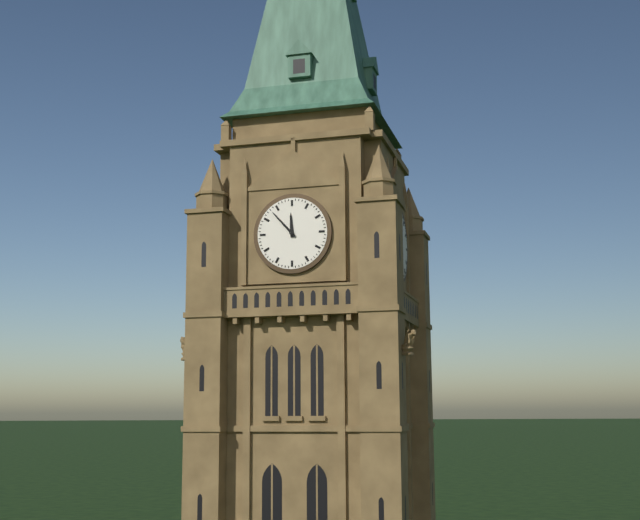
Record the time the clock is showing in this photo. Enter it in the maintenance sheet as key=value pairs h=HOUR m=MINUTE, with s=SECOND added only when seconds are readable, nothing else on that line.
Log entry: h=11 m=53
